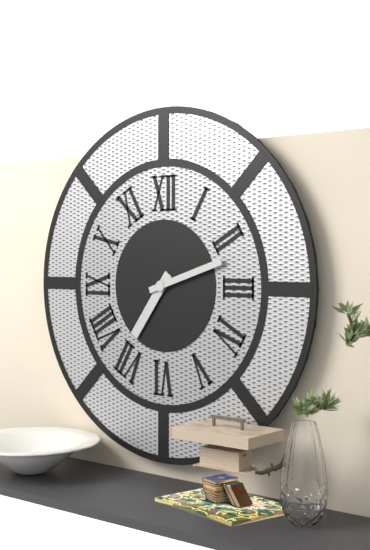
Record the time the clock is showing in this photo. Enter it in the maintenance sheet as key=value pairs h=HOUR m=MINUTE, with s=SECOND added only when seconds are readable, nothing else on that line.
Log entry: h=7 m=12
